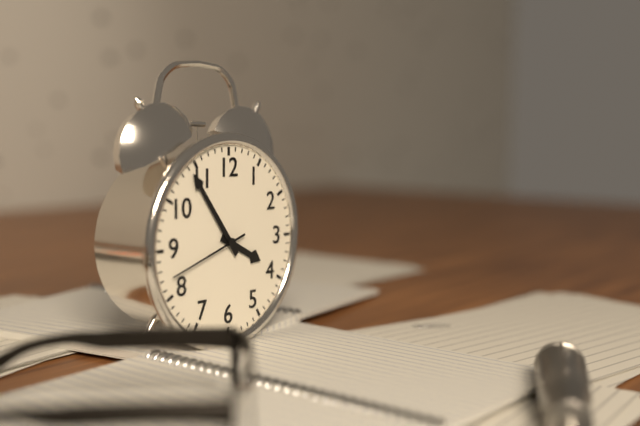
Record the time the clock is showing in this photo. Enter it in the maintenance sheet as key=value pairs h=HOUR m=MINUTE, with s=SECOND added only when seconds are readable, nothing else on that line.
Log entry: h=3 m=54 s=42
